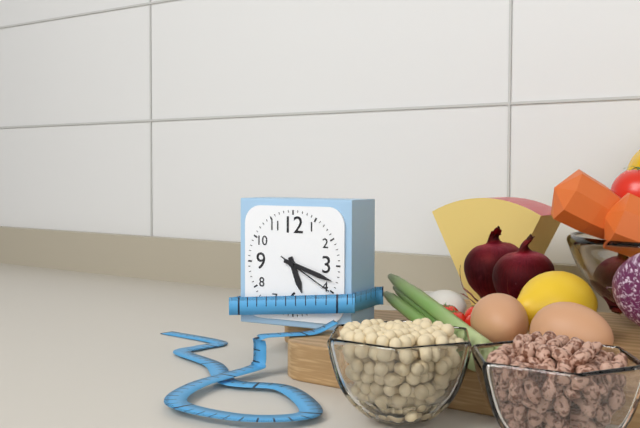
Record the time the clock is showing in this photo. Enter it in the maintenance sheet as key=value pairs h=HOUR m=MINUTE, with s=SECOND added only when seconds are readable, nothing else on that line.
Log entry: h=5 m=18 s=20
